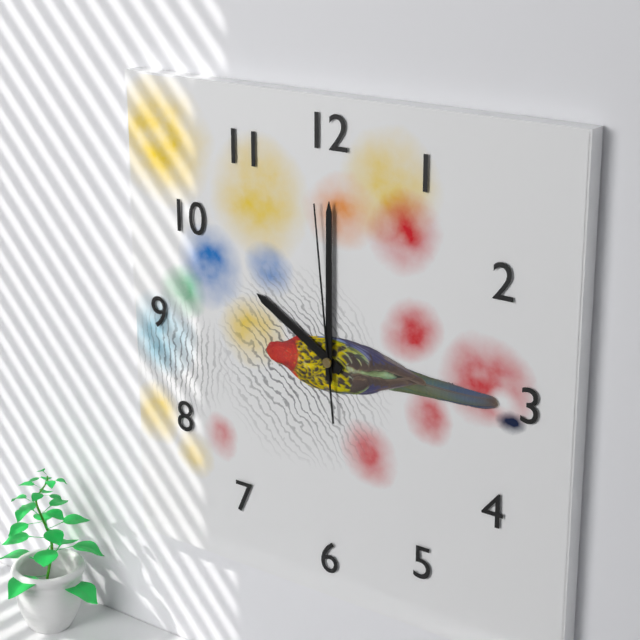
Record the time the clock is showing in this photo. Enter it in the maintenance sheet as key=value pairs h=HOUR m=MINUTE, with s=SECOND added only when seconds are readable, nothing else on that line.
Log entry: h=10 m=0 s=59
